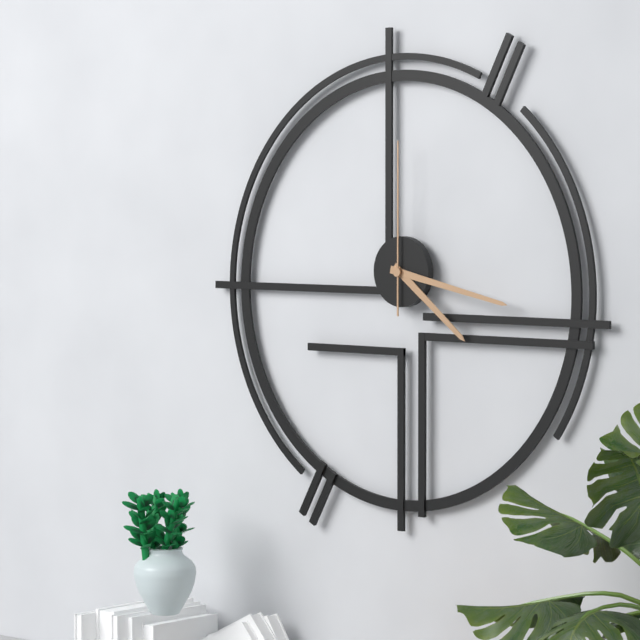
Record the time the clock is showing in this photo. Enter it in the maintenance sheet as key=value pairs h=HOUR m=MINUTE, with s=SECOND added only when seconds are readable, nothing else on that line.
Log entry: h=4 m=17 s=0
